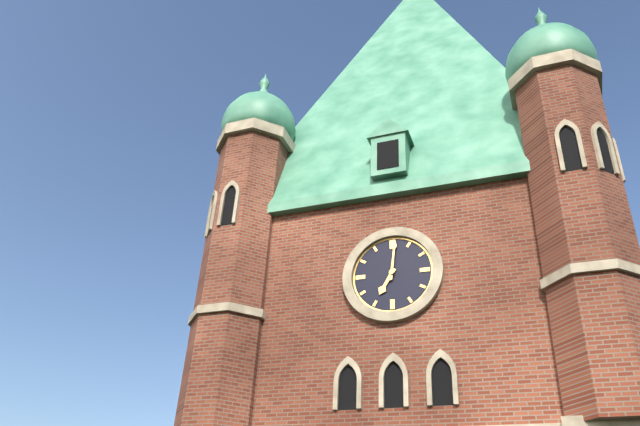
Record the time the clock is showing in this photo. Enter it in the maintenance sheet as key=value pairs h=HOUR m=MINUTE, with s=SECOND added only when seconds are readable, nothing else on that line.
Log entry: h=7 m=1
